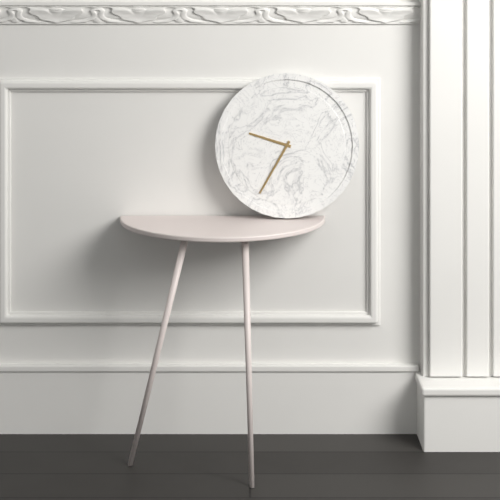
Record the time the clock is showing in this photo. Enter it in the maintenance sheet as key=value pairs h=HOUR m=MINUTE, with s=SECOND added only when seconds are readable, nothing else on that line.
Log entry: h=9 m=35
